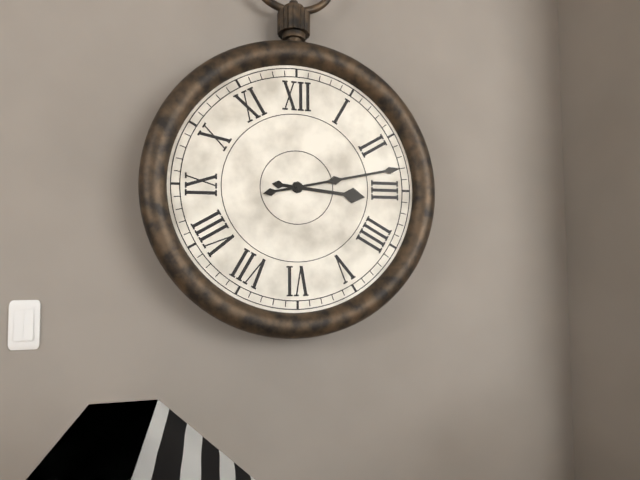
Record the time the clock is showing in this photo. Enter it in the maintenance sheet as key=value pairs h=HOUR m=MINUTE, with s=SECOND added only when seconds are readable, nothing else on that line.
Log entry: h=3 m=13
